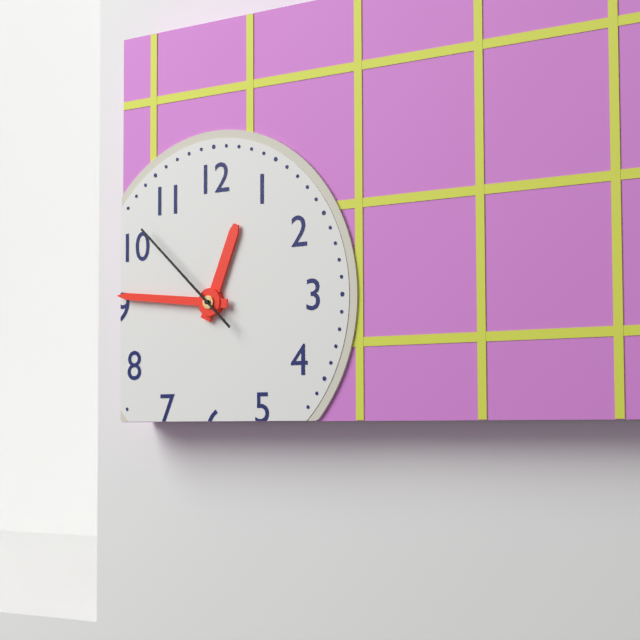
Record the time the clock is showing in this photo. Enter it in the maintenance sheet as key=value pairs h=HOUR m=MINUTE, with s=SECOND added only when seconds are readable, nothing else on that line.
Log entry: h=12 m=46 s=52
